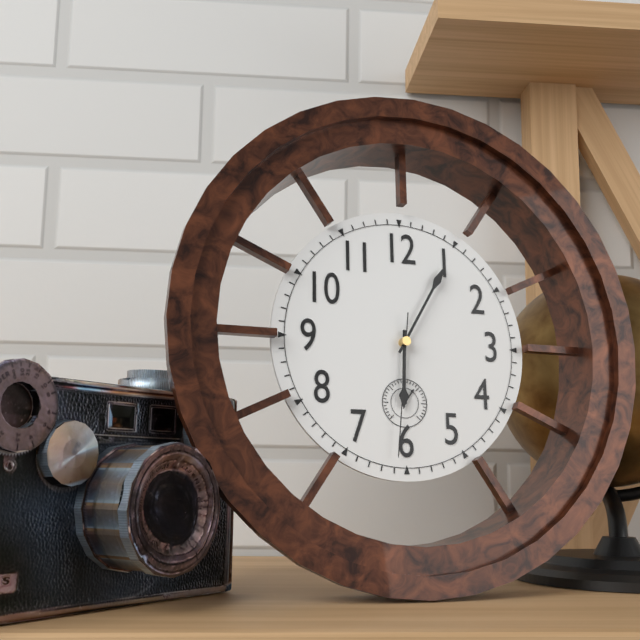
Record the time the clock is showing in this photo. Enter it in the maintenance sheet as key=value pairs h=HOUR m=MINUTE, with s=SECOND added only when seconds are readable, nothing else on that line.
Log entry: h=6 m=5 s=31
